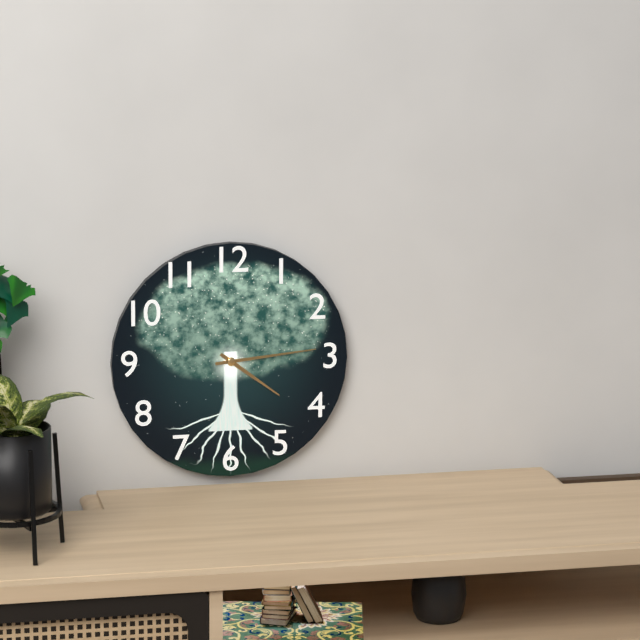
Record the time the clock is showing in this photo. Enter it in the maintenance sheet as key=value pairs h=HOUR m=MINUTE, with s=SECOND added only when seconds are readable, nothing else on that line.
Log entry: h=4 m=14
